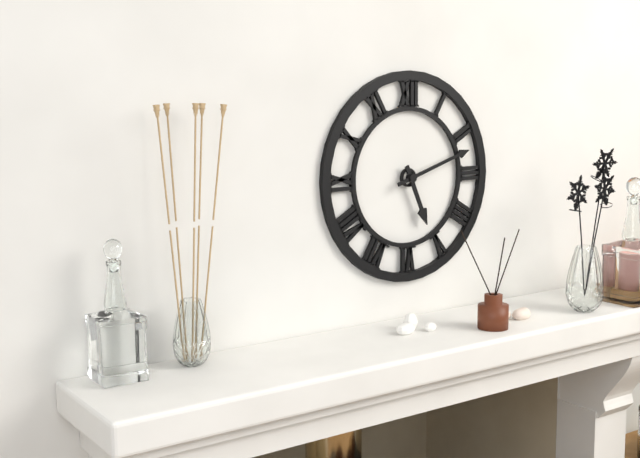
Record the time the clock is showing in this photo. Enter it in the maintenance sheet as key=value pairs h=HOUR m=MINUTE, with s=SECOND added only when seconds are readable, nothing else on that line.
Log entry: h=5 m=12
